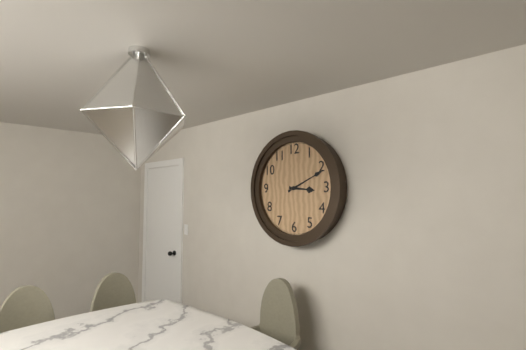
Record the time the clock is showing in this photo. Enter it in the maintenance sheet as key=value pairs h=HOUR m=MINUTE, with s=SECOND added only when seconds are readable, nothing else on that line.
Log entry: h=3 m=11
